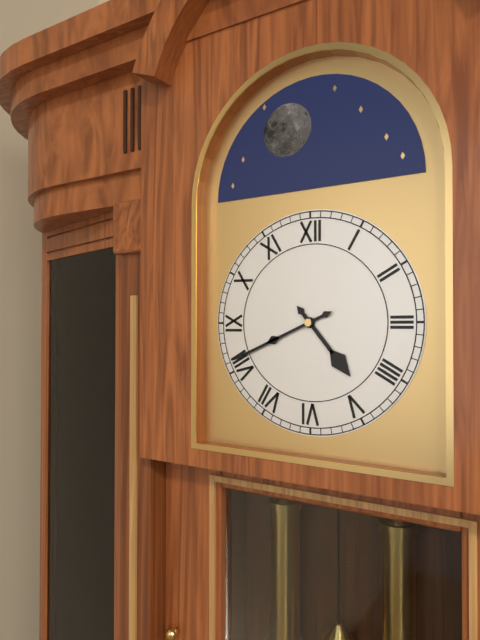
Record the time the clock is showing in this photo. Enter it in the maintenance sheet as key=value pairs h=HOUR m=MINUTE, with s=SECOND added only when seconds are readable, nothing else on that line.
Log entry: h=4 m=41
